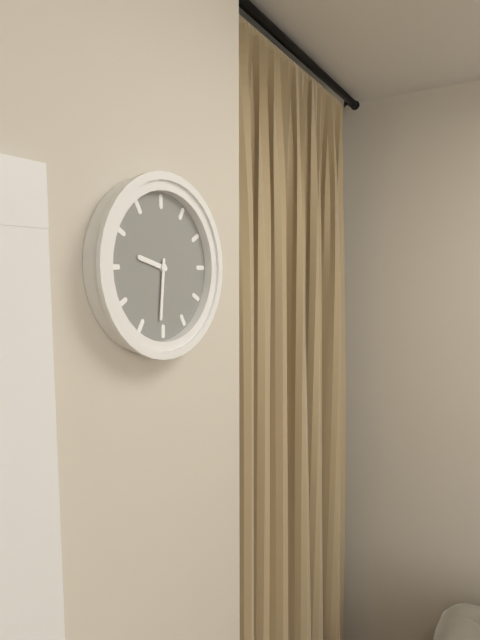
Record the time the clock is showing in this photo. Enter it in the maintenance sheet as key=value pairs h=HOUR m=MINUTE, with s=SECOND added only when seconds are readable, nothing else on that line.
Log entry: h=9 m=31
